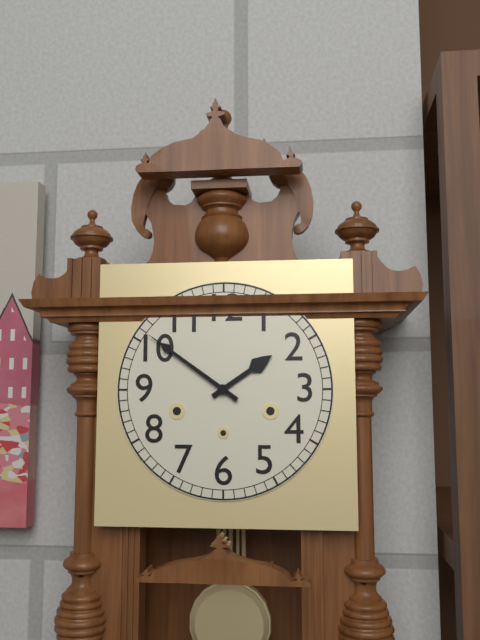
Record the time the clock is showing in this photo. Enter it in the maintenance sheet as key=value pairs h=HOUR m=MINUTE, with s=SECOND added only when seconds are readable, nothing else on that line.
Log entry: h=1 m=51
